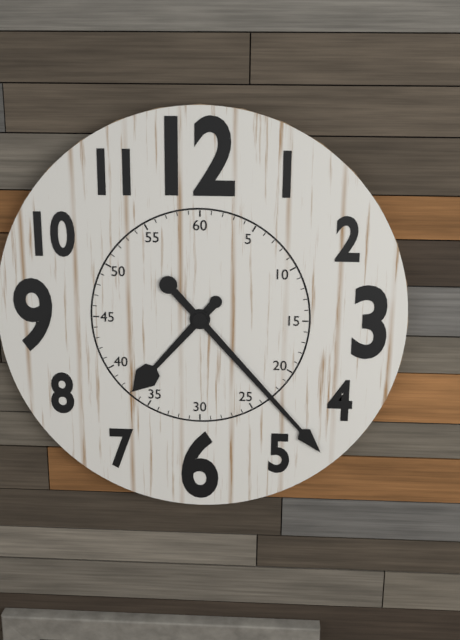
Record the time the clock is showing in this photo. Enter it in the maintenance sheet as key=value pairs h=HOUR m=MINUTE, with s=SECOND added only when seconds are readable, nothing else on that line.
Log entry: h=7 m=23
